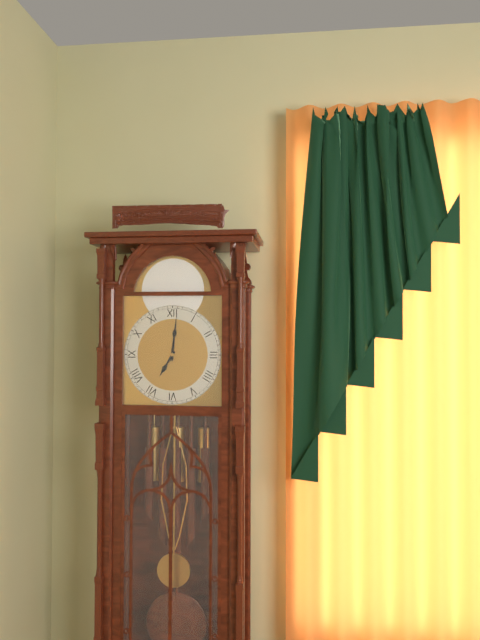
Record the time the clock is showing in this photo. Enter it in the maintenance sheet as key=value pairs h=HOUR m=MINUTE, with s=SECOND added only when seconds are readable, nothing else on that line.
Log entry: h=7 m=1
